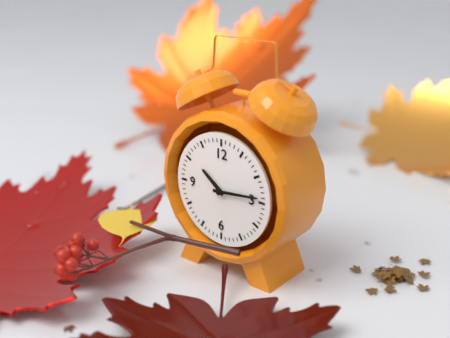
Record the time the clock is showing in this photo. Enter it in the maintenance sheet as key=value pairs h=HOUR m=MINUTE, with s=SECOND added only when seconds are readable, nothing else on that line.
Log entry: h=10 m=14
